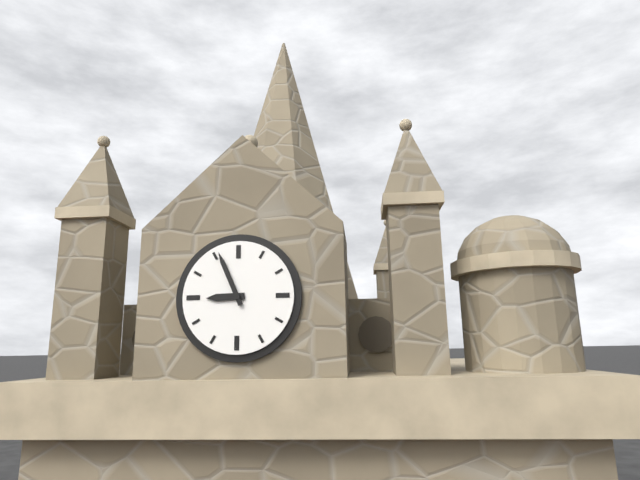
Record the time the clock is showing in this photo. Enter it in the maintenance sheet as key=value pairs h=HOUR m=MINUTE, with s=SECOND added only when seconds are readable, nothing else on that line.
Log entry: h=8 m=56
